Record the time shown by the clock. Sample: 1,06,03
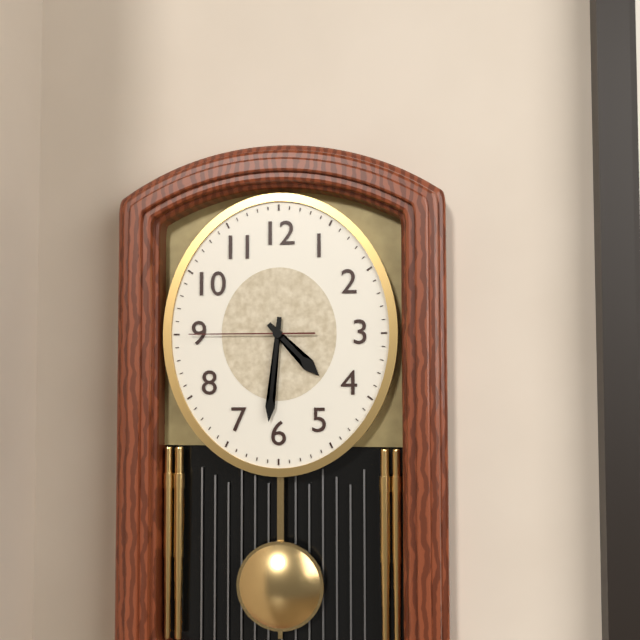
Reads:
4,31,45
